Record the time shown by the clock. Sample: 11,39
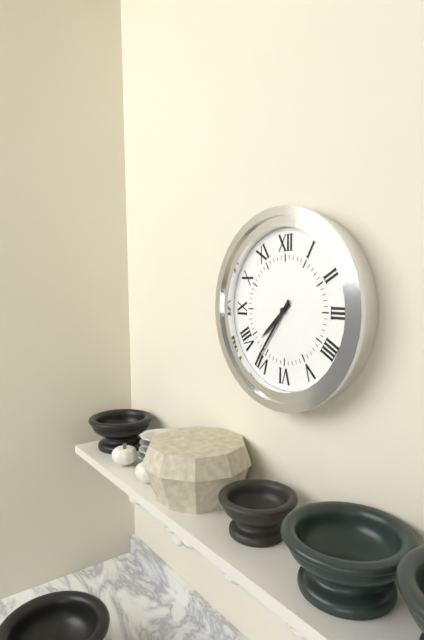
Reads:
7,36
